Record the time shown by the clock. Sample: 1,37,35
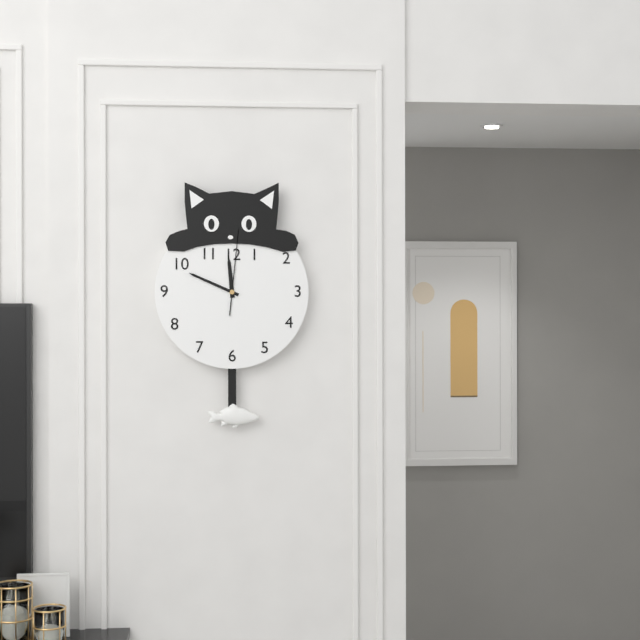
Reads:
11,49,01
